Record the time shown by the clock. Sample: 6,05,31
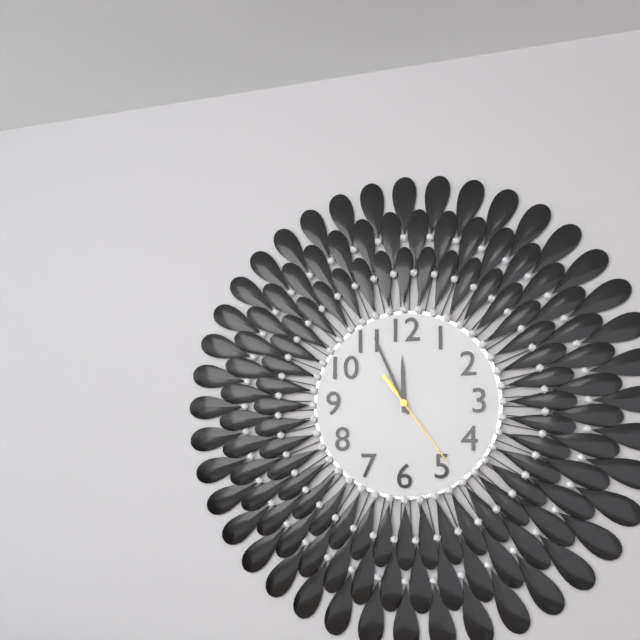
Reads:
11,56,24
